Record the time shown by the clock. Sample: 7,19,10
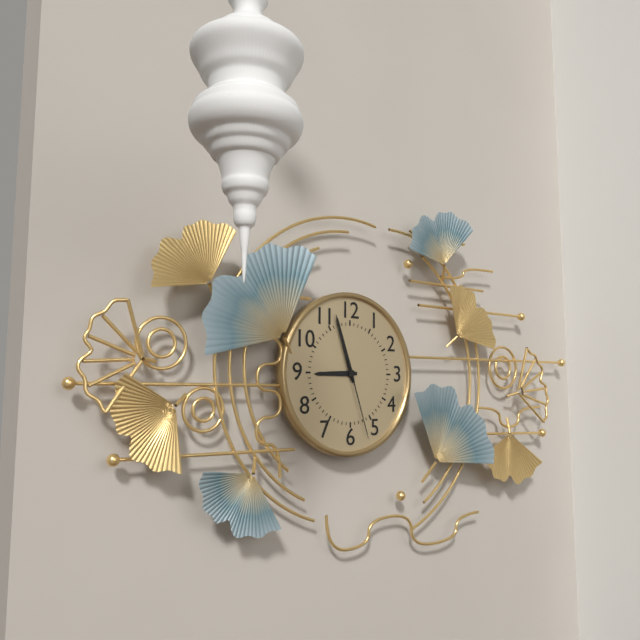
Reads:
8,57,27
